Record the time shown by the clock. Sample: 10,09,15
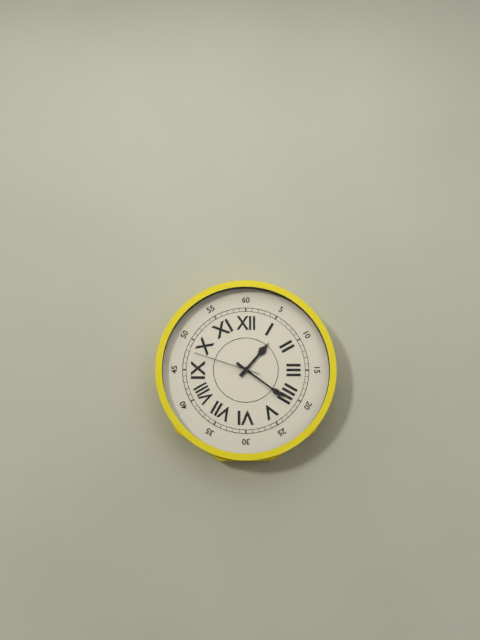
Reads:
1,21,48
